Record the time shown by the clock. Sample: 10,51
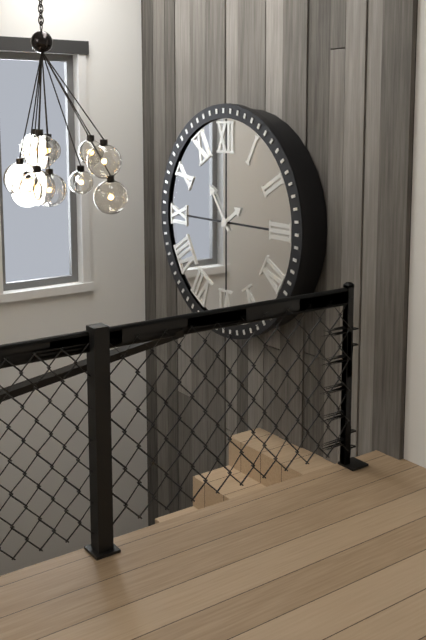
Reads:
1,54
